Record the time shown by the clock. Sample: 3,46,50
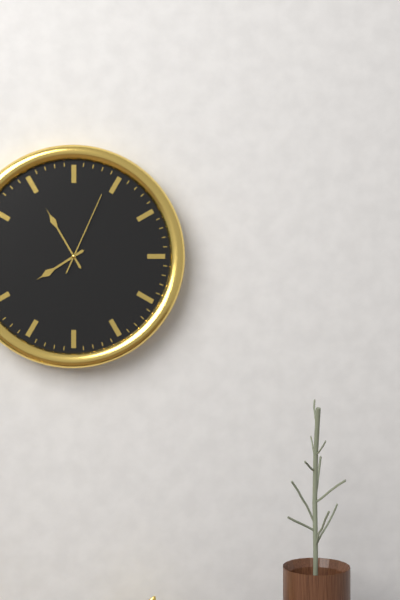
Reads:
7,55,04
